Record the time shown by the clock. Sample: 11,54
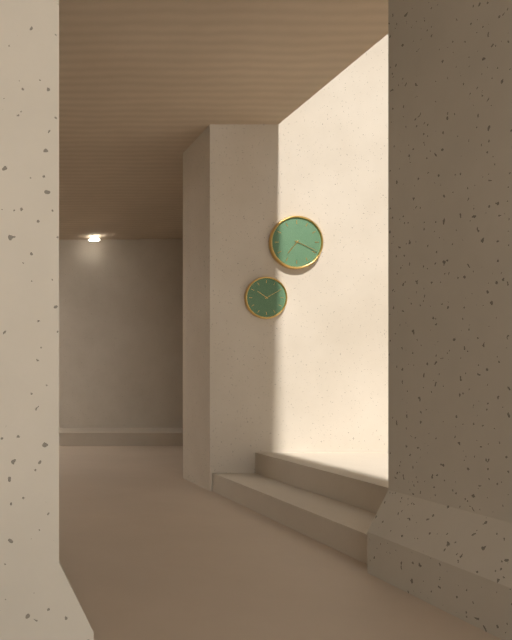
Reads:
7,19
